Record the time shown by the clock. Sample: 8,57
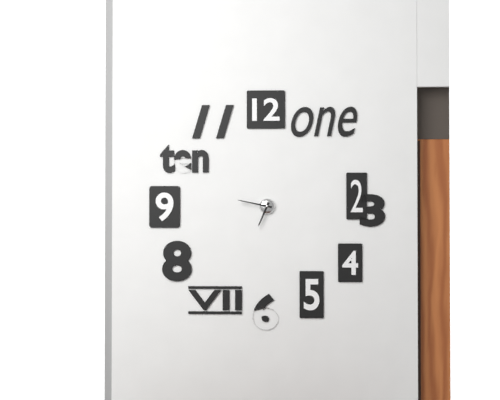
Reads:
6,47
